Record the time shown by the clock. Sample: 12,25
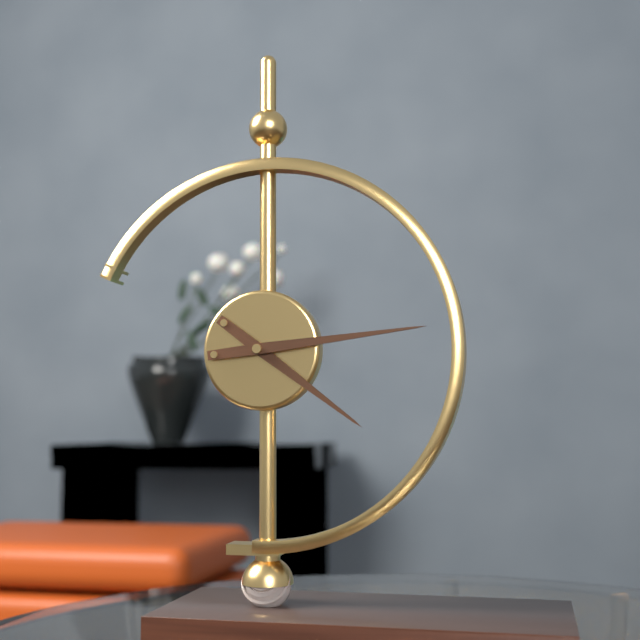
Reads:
4,14
